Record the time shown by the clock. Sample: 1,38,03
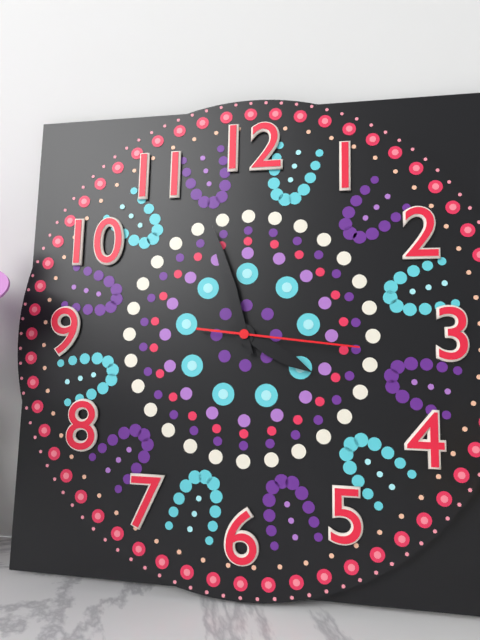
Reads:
3,57,16
